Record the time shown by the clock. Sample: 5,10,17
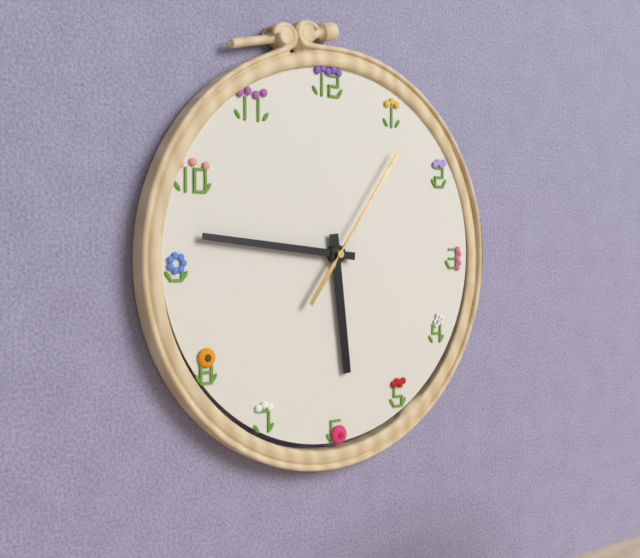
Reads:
5,46,06
